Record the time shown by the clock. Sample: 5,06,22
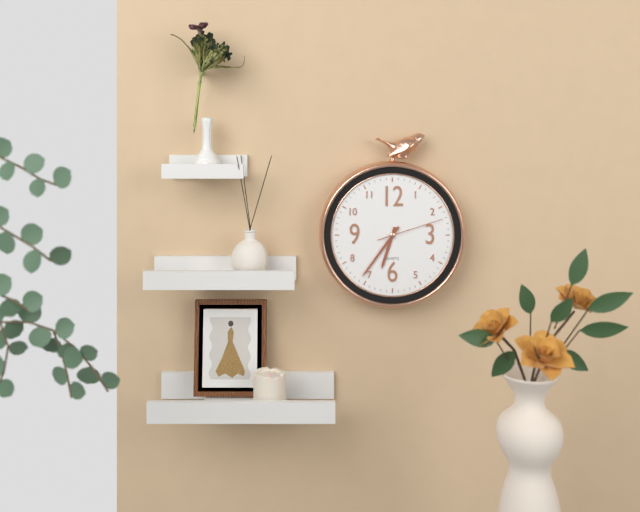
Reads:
6,36,12
